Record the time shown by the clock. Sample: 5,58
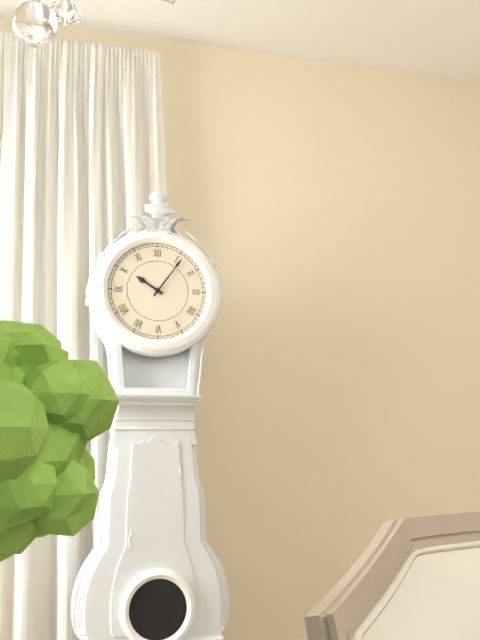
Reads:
10,06
